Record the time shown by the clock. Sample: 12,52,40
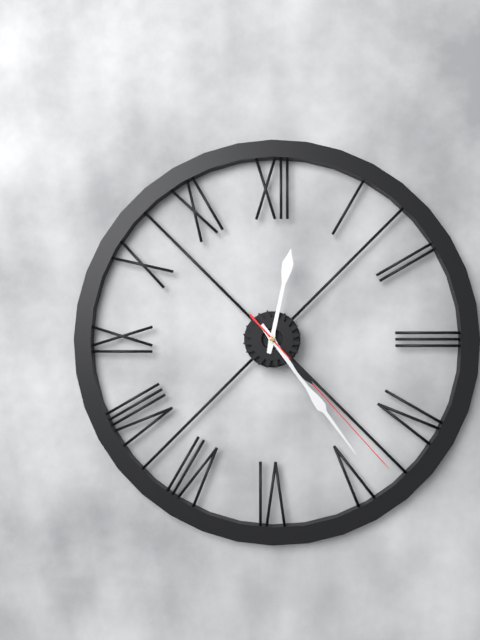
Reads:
12,24,23
